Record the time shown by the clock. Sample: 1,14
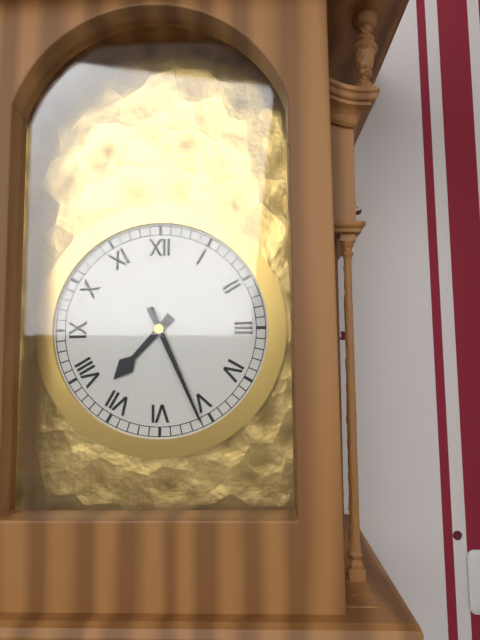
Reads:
7,26
